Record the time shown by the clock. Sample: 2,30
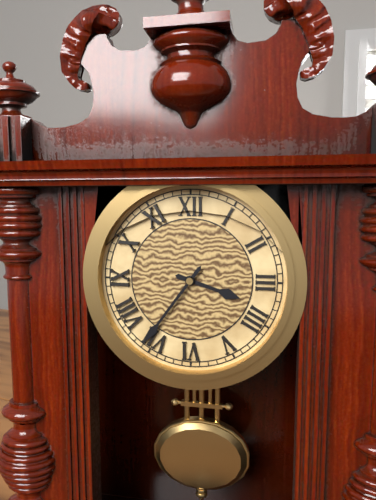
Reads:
3,36
